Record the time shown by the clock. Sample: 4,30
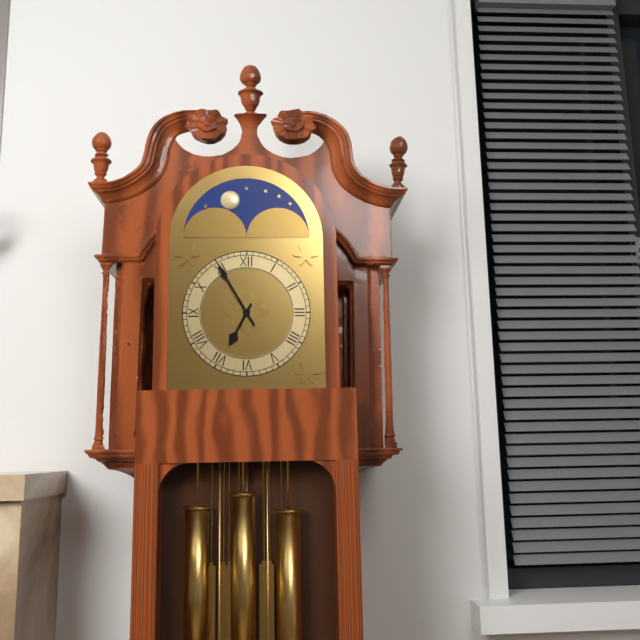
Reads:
6,55
